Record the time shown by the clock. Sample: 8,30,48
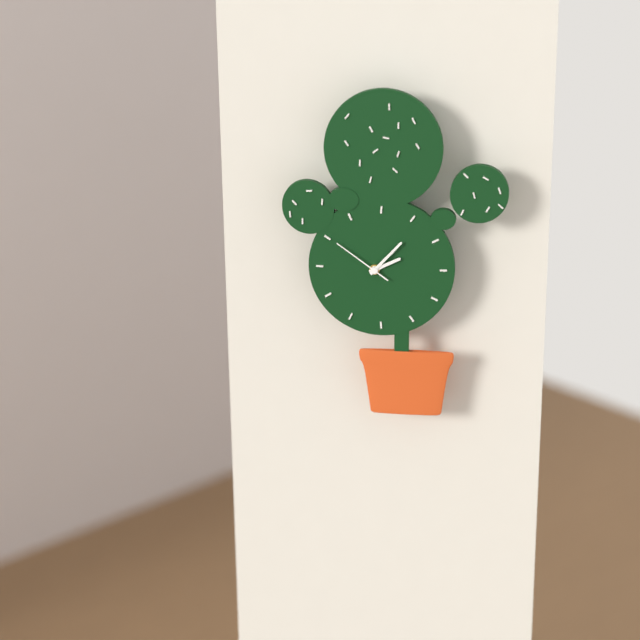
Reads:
2,07,51
